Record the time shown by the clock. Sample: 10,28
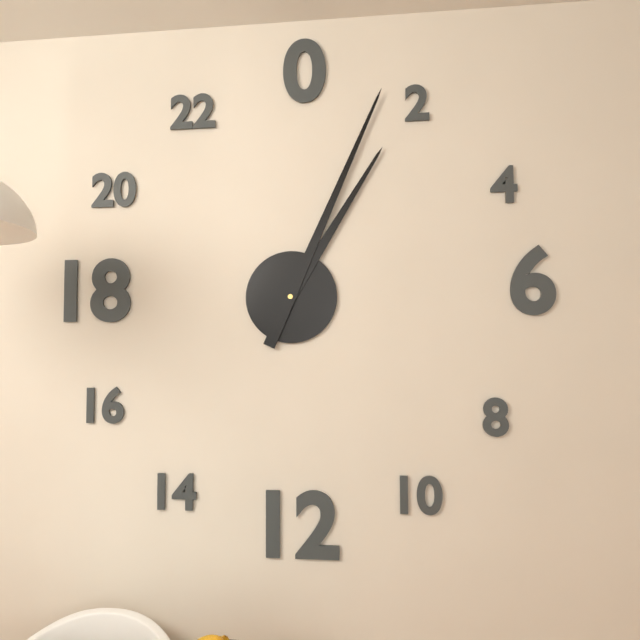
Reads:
1,04
